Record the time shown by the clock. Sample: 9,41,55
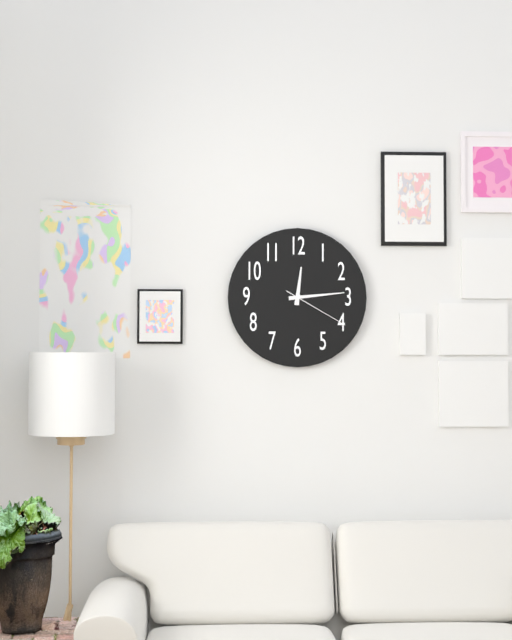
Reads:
12,14,20
